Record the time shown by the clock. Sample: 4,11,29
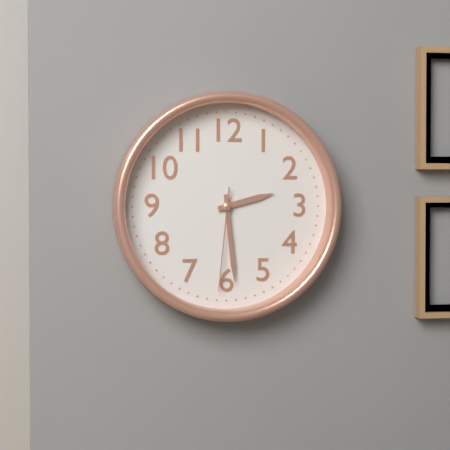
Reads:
2,29,31
